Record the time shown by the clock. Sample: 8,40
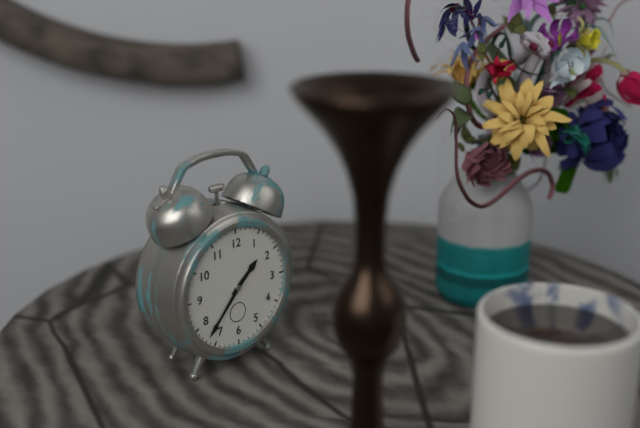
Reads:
1,37
